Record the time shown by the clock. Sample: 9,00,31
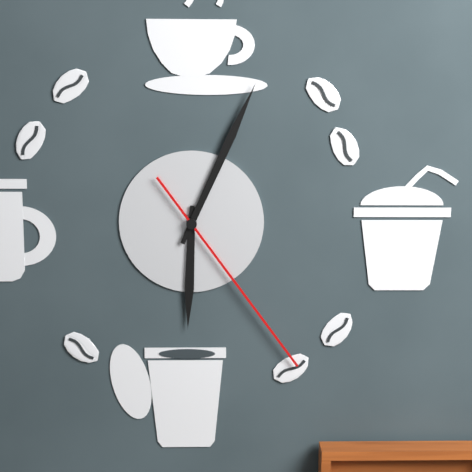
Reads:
6,04,24
